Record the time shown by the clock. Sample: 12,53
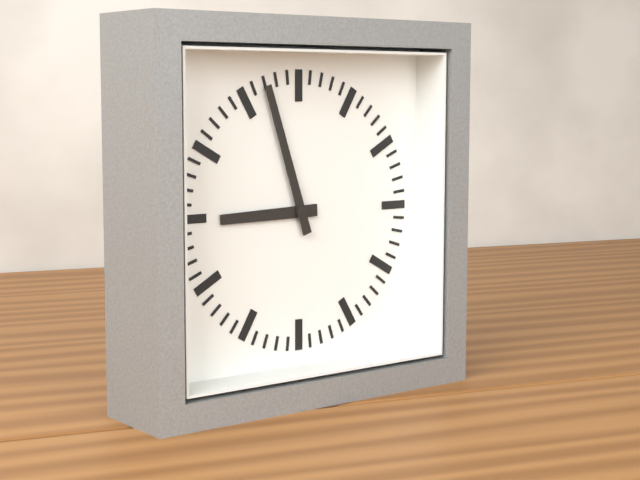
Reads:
8,57
